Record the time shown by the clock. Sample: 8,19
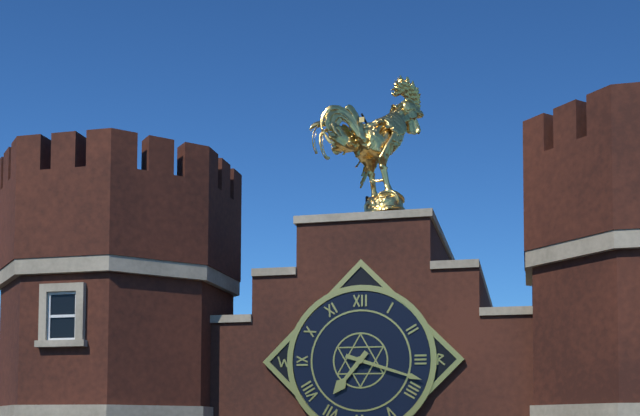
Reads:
7,18
